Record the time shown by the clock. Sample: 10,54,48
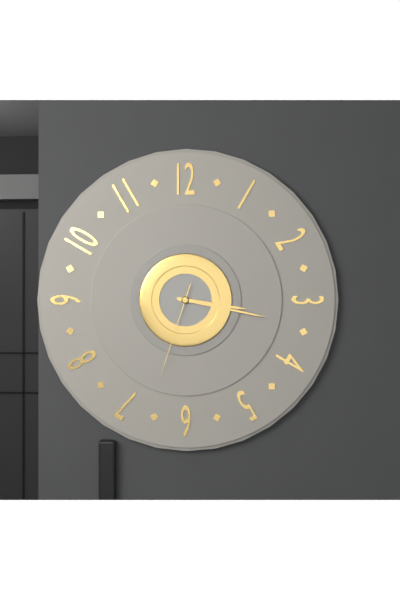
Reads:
3,17,33
